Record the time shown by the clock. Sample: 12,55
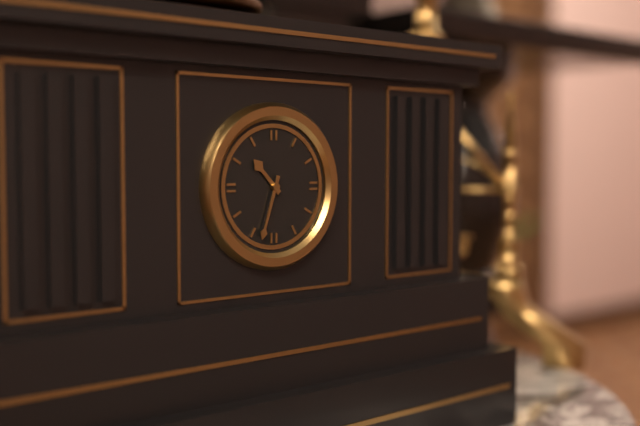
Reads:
10,33
